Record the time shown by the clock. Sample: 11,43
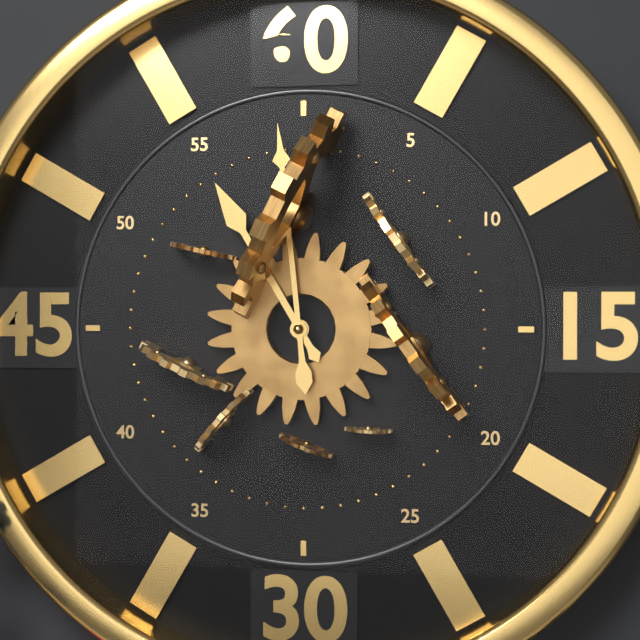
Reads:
10,59
